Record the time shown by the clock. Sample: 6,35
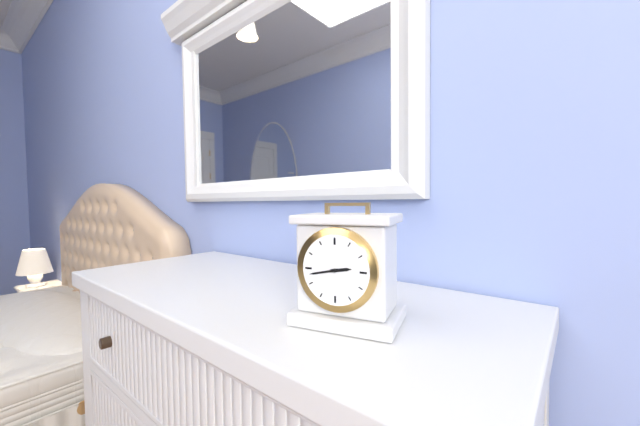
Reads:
2,43
